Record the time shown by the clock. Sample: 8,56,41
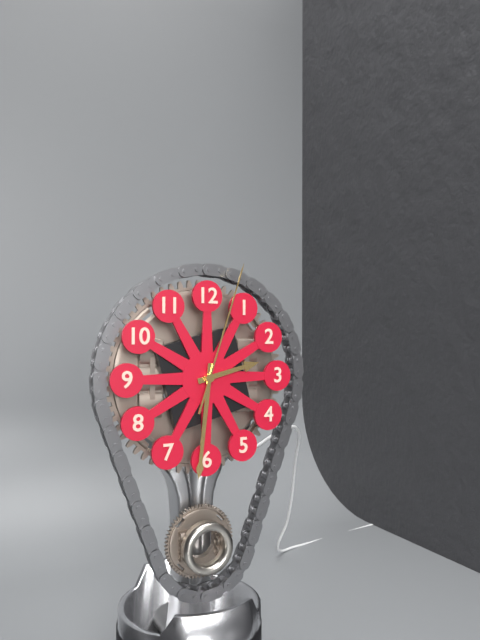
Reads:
2,31,03
